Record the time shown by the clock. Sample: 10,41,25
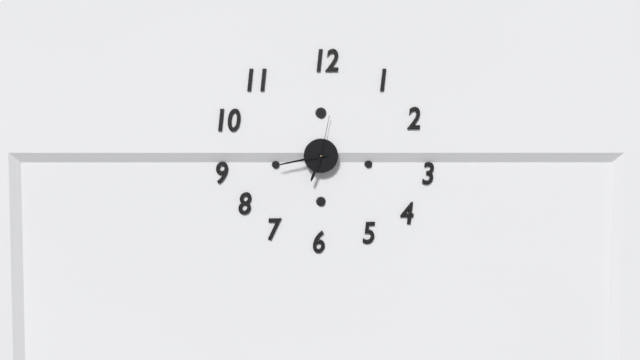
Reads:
6,43,02
